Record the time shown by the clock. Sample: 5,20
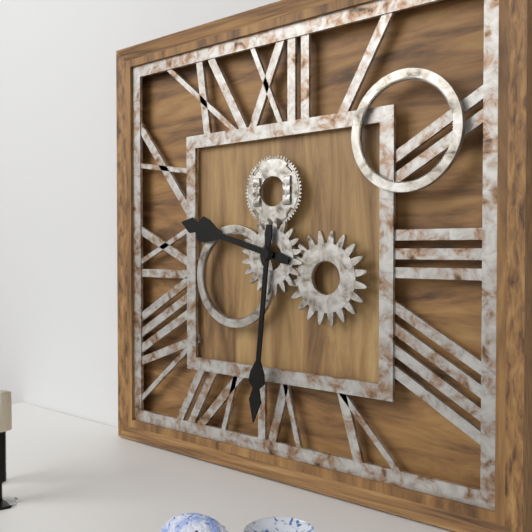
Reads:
9,31
